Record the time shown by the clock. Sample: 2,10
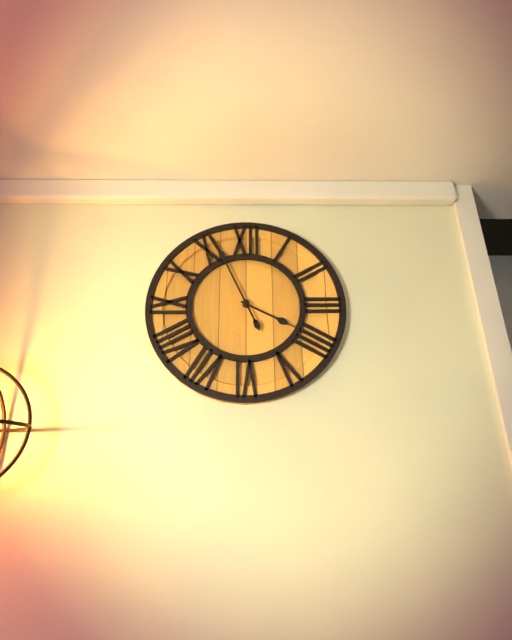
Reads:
3,56
